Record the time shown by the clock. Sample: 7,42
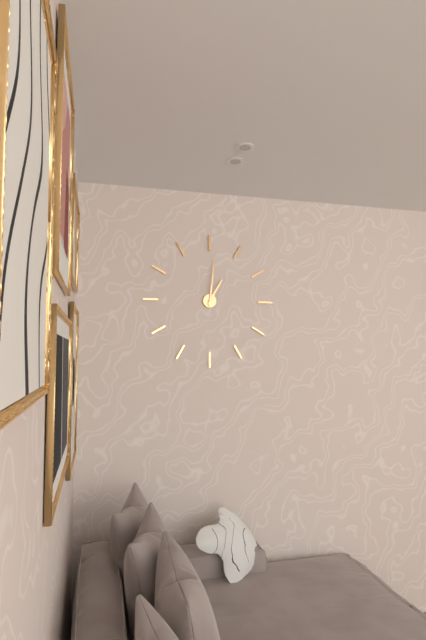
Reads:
1,01
